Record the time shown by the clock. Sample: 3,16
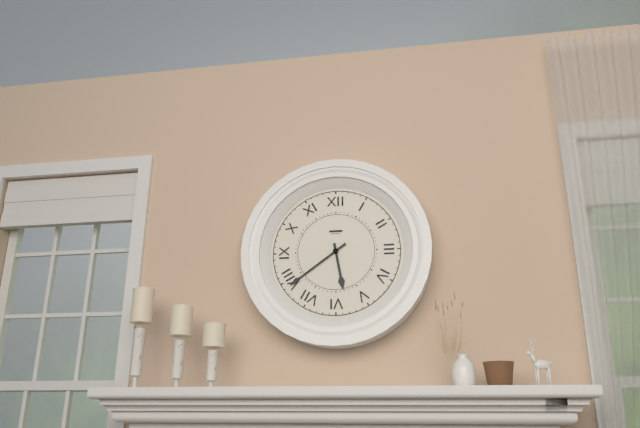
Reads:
5,39
